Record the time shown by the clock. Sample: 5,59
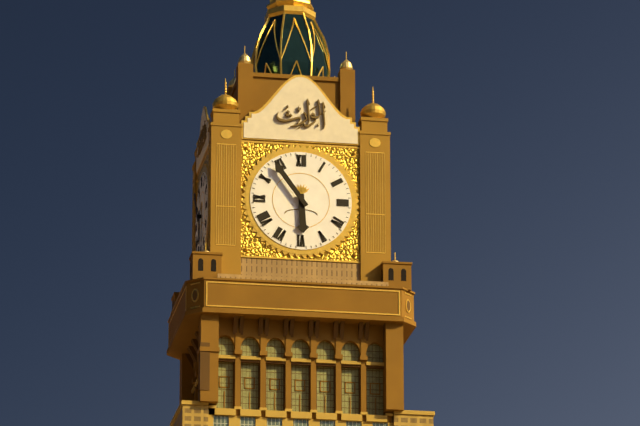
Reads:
5,54
